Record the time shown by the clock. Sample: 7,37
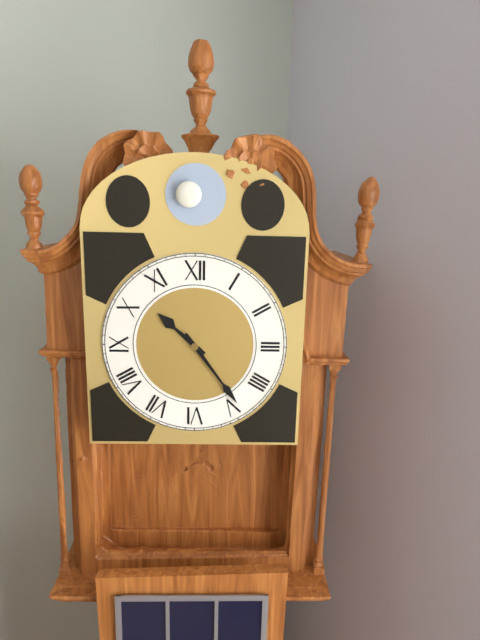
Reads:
10,24
